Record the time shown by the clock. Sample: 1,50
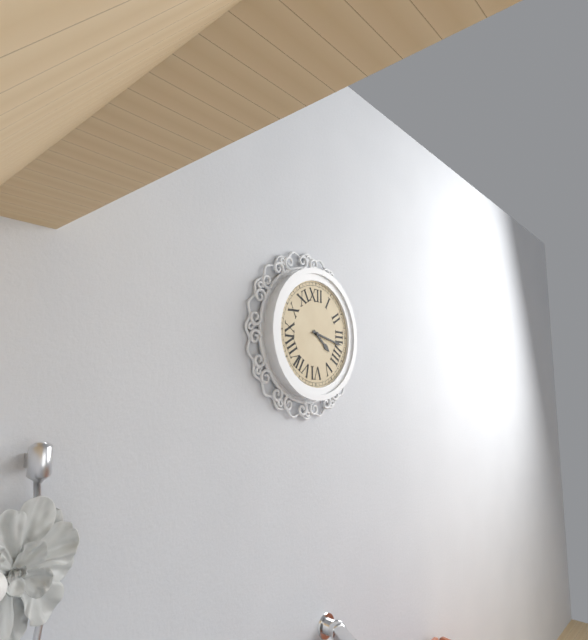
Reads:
4,17
